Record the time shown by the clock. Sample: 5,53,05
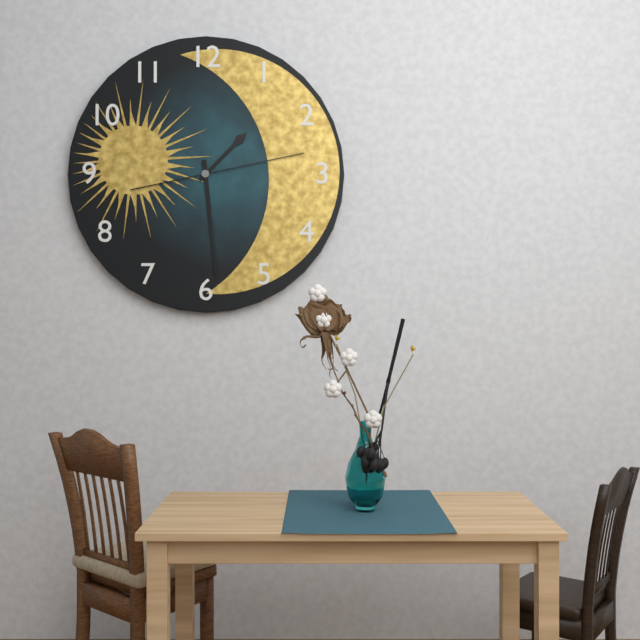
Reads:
1,29,13
